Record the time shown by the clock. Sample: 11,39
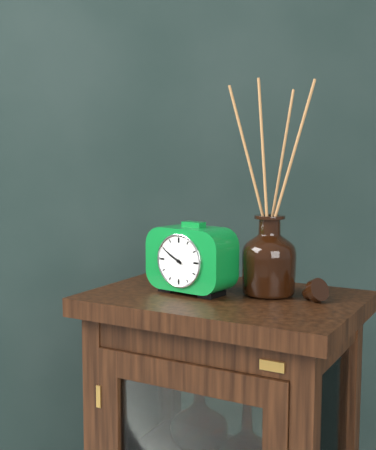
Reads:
9,50
